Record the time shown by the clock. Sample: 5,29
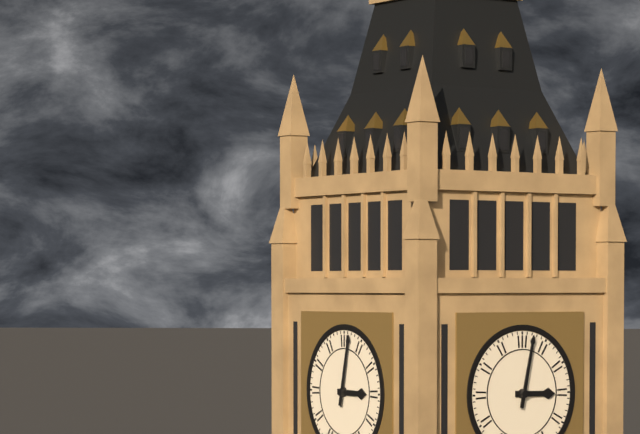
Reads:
3,02
